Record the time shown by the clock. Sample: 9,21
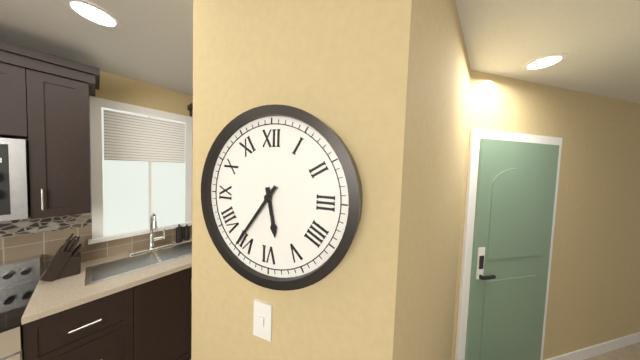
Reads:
5,36
